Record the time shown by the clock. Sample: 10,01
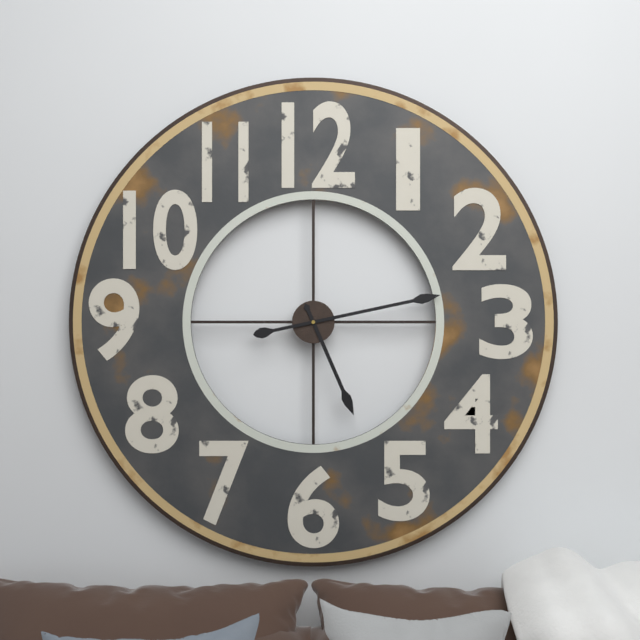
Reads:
5,13
